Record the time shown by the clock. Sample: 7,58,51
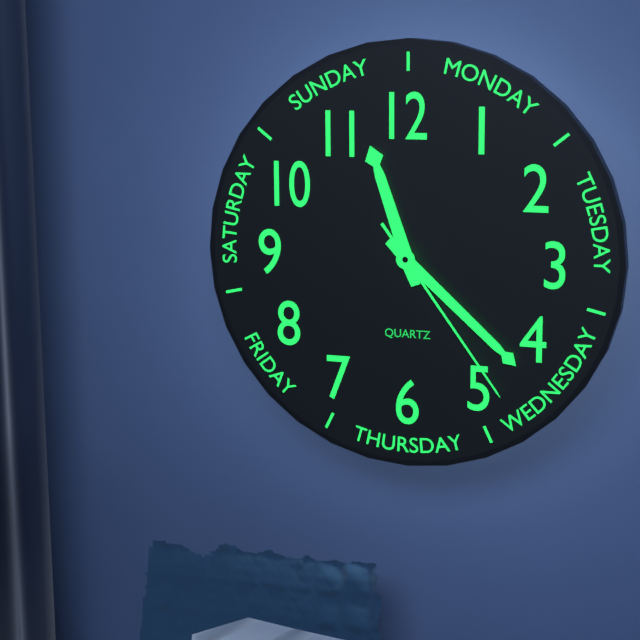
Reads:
11,22,24
